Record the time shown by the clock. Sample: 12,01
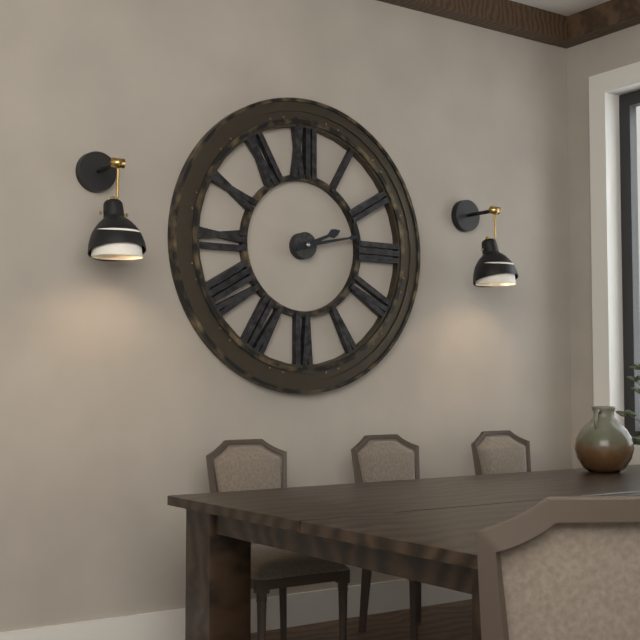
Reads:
2,13
